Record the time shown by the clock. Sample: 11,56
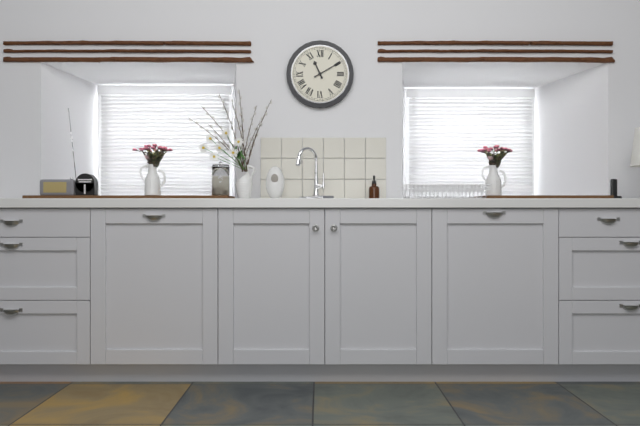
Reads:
11,10
